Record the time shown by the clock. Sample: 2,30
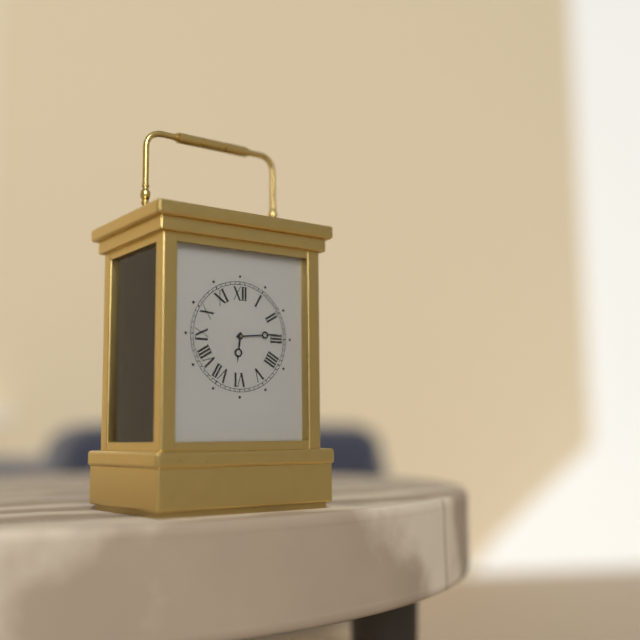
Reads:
6,14
